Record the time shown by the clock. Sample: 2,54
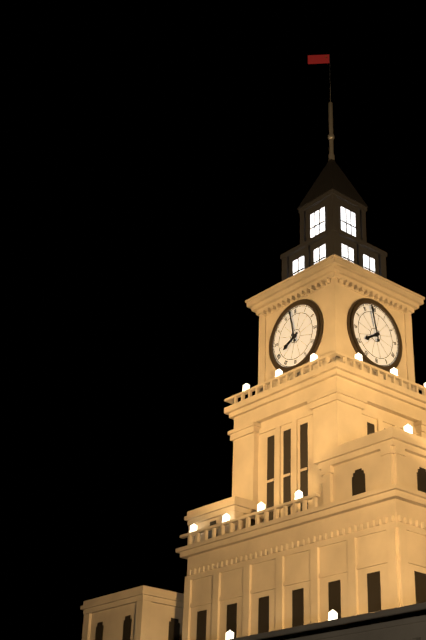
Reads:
7,58
